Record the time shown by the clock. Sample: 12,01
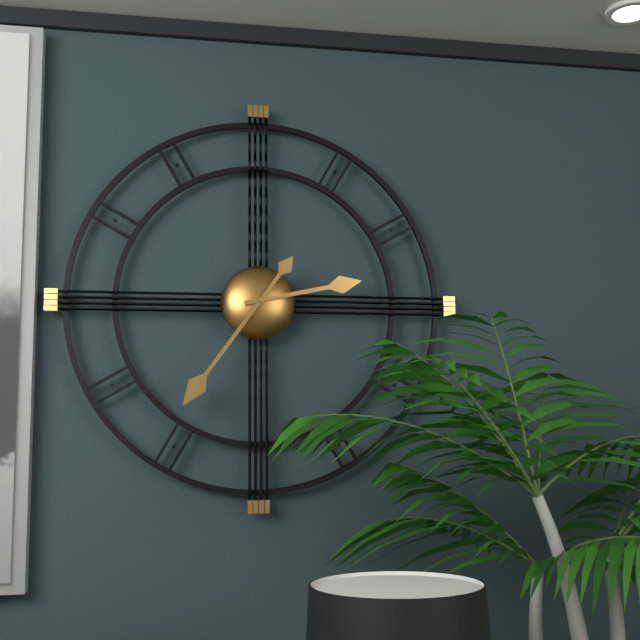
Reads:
2,36
